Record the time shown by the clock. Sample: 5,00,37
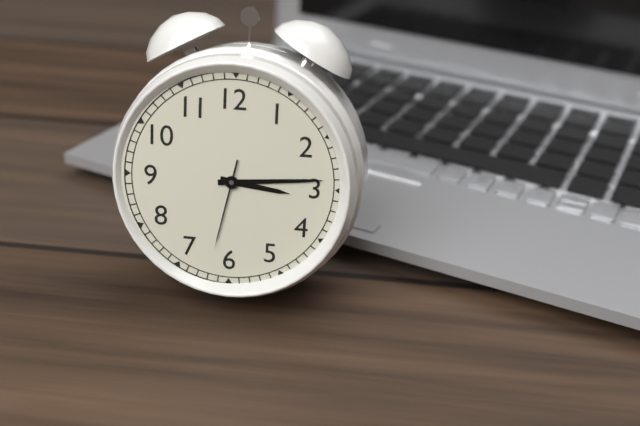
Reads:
3,14,32
